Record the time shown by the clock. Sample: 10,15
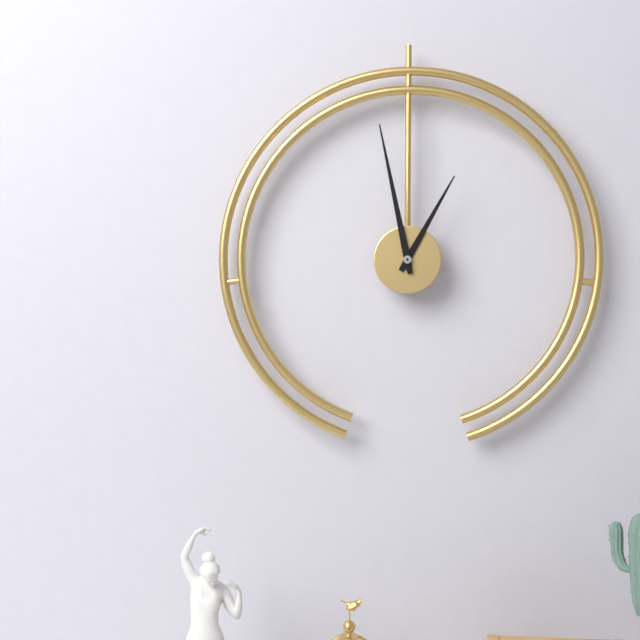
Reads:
12,58
